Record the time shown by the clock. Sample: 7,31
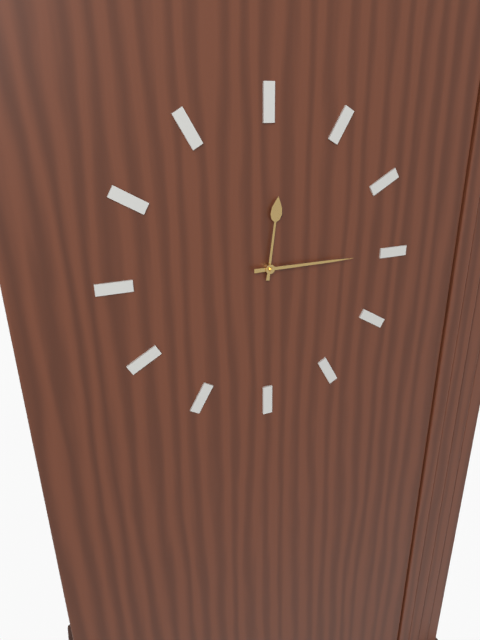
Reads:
12,15
